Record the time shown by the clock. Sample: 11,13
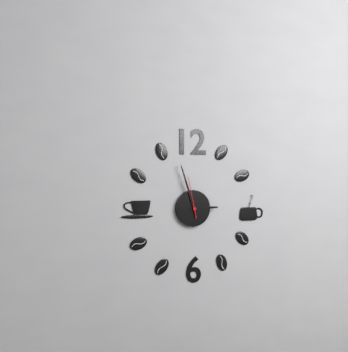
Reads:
2,57
